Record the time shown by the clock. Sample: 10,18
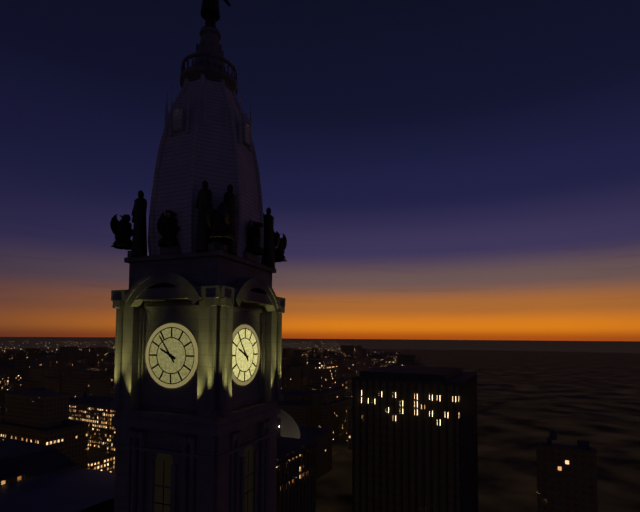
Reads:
9,54
